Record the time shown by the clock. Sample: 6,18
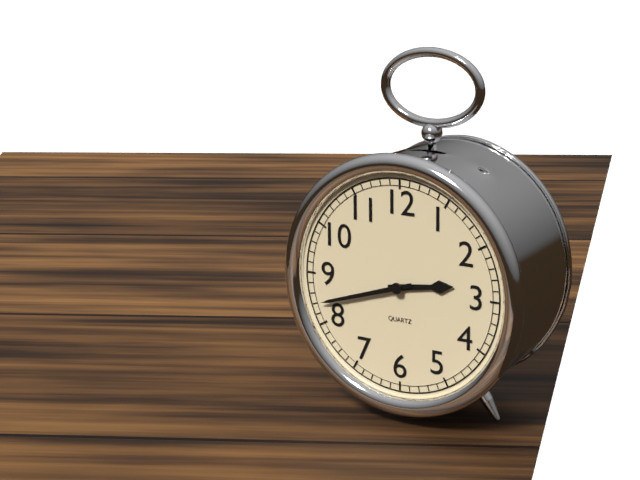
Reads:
2,42
